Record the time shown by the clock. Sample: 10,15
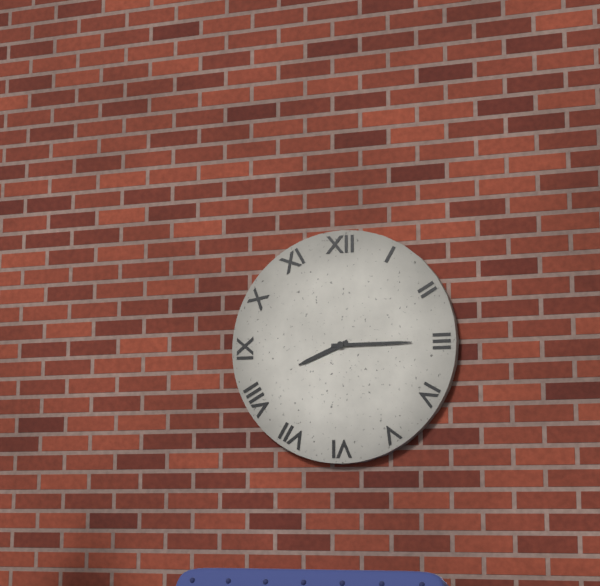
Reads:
8,15
